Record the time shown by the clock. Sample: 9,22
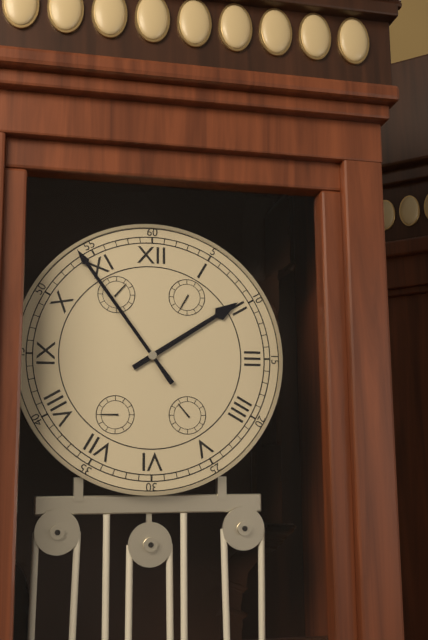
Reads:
1,54
